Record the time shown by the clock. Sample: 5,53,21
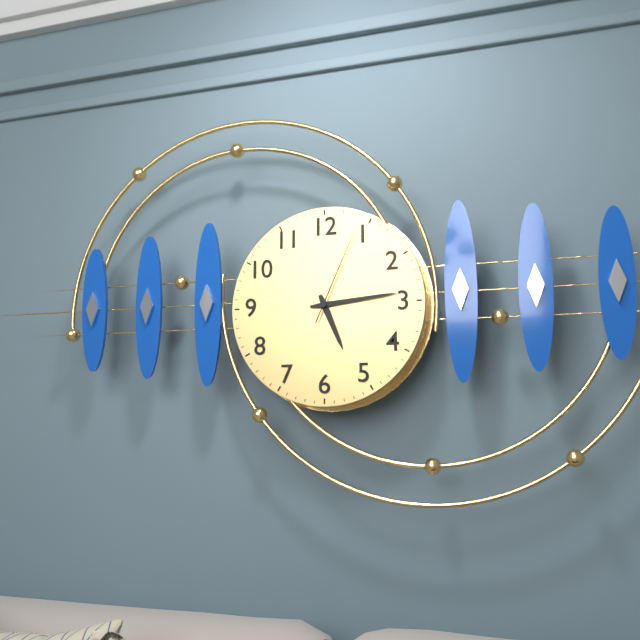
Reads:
5,14,04
